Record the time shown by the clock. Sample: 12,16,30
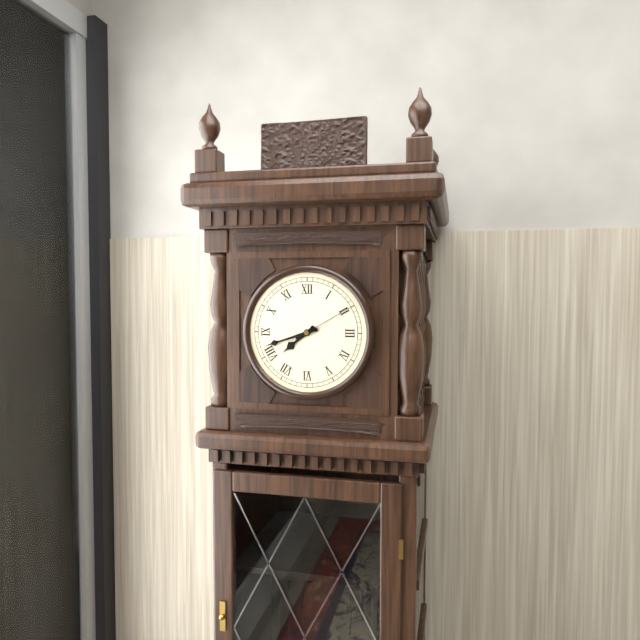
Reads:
7,42,10
